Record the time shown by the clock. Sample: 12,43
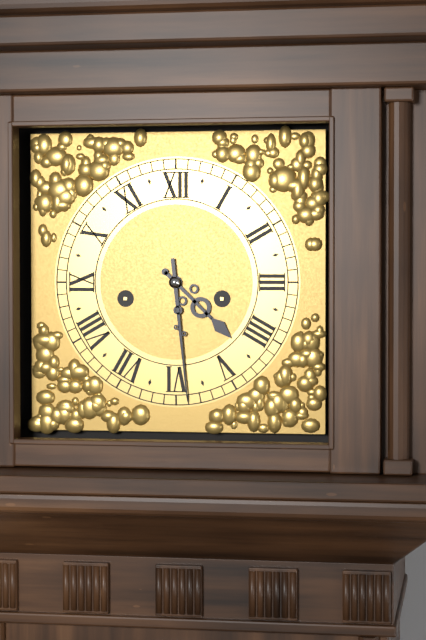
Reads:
4,29
